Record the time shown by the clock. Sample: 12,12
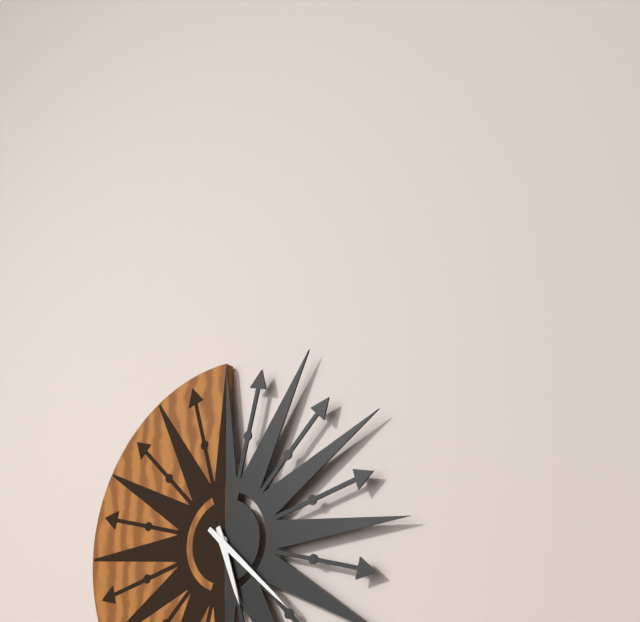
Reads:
5,22
